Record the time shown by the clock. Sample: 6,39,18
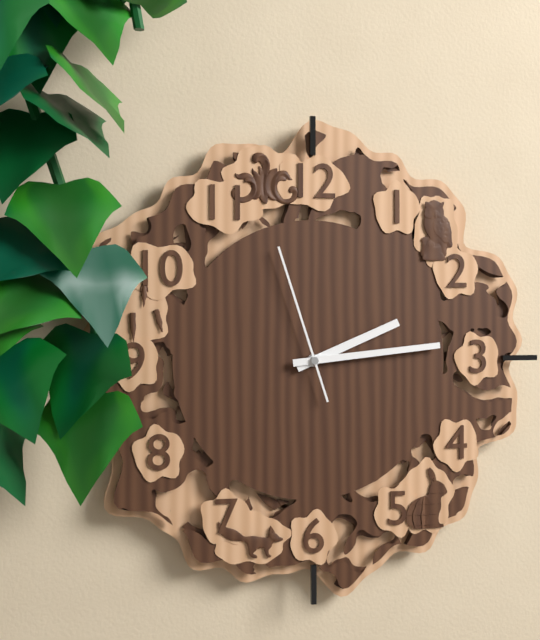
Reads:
2,14,57
